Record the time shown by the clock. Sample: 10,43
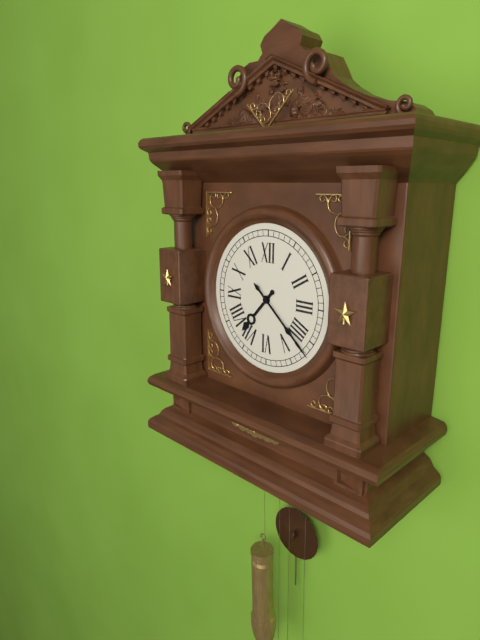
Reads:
7,22
